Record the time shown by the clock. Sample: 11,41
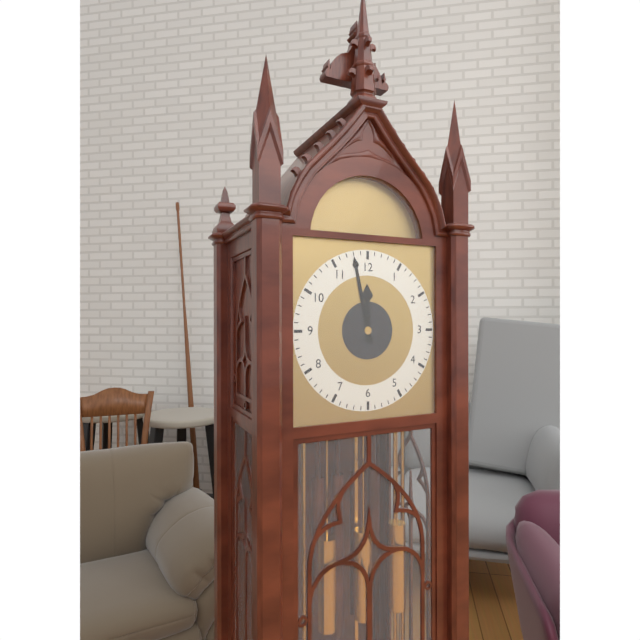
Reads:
11,58
